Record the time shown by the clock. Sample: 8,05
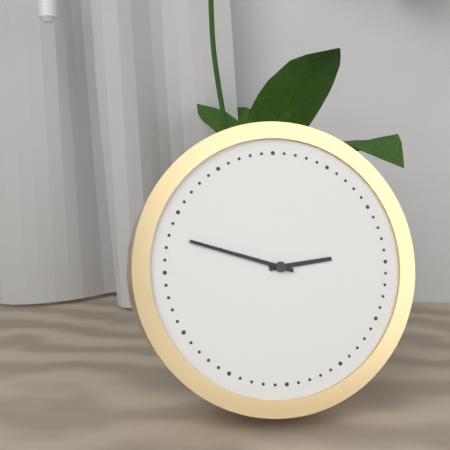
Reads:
2,48
